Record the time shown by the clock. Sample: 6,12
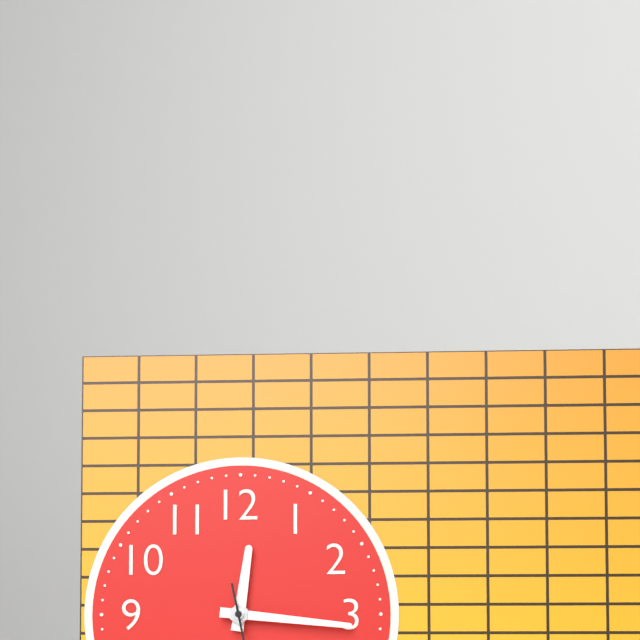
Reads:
12,16
